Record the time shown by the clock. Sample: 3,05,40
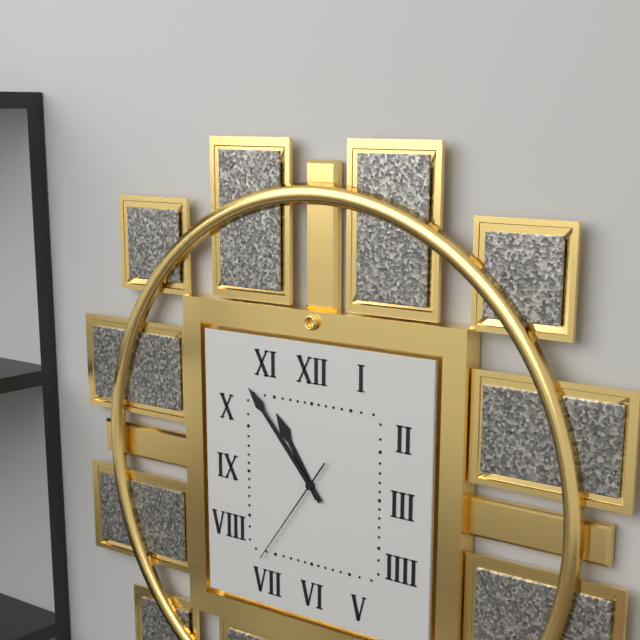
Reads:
10,53,36
